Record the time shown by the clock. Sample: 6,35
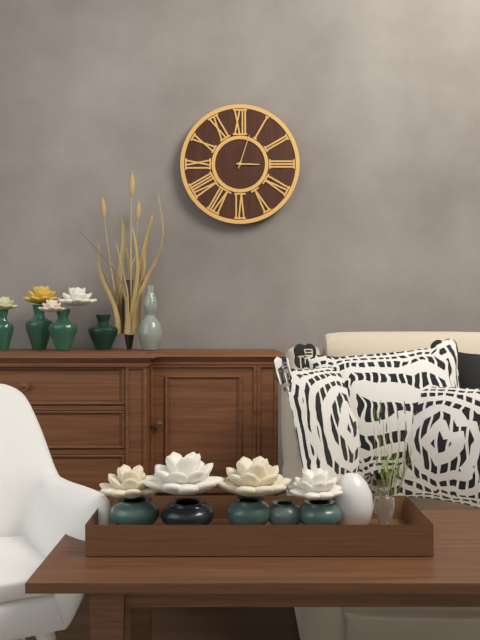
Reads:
3,03
